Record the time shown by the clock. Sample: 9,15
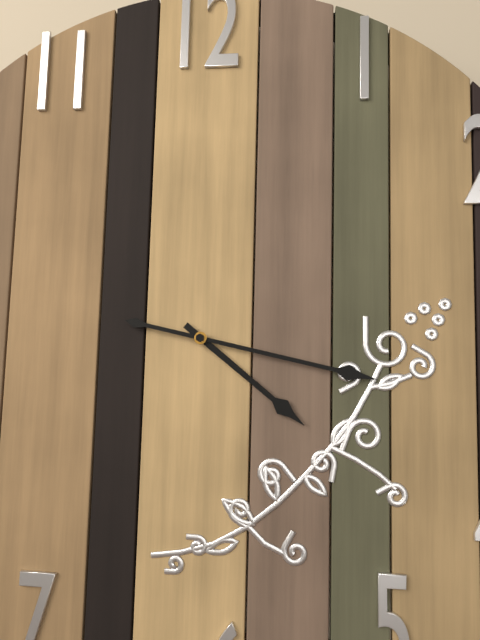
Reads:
4,17
